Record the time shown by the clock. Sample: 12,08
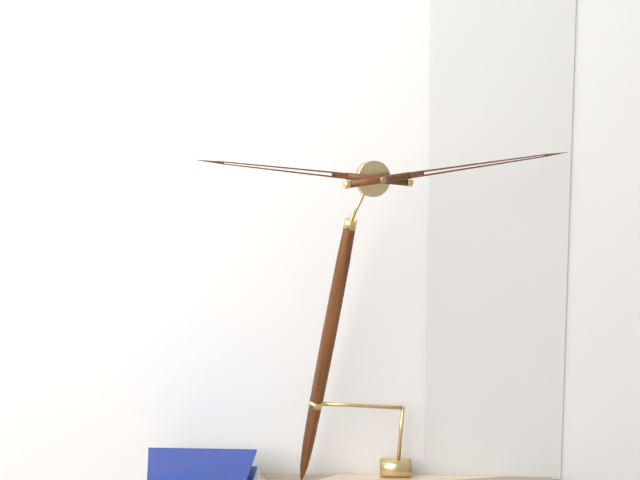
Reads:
9,14
